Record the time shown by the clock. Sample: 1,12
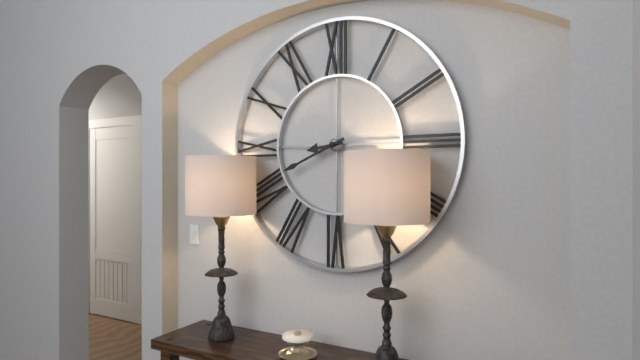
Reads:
8,41
